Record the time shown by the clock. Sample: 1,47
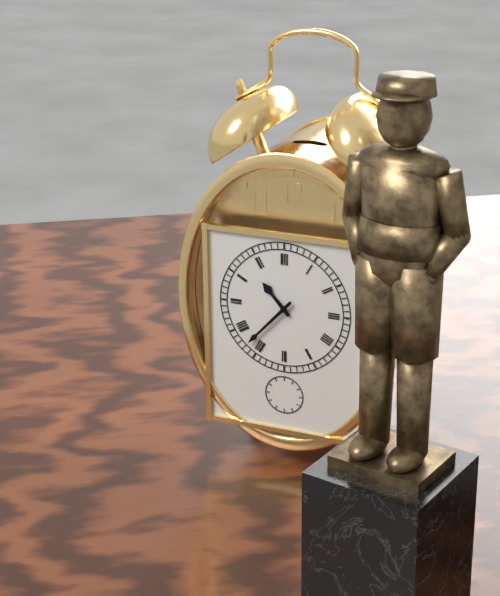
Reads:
10,37
